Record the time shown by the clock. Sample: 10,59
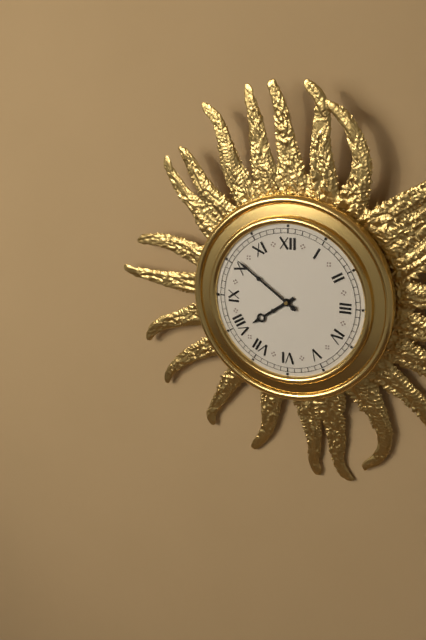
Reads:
7,51
